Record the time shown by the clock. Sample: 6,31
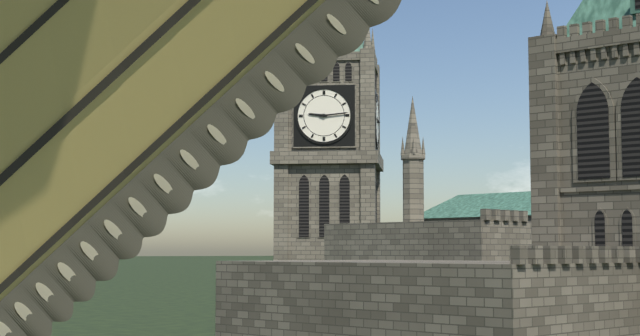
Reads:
9,14
